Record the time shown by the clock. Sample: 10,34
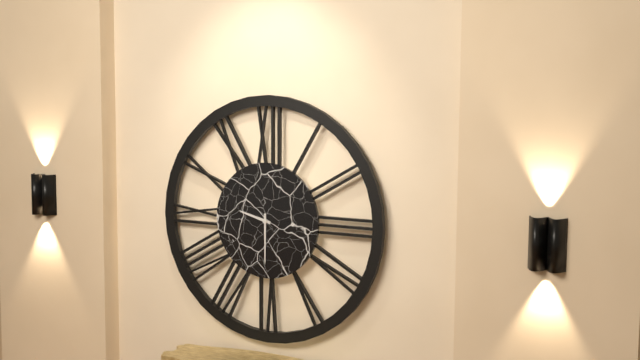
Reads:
9,30
